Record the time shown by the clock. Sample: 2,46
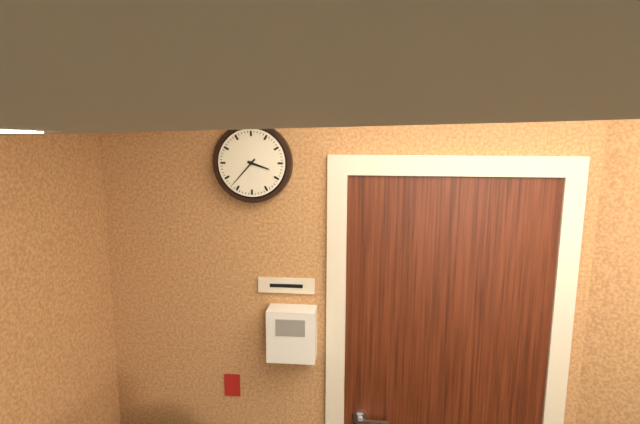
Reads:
3,37
